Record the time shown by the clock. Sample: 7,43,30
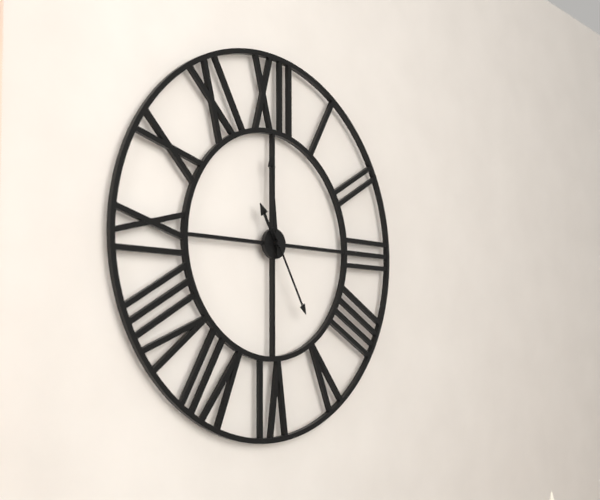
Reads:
10,59,25
